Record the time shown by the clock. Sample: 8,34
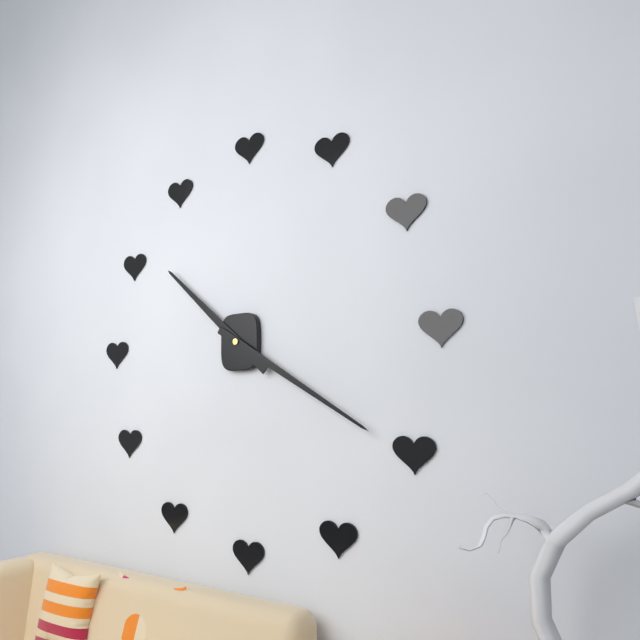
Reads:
10,20
